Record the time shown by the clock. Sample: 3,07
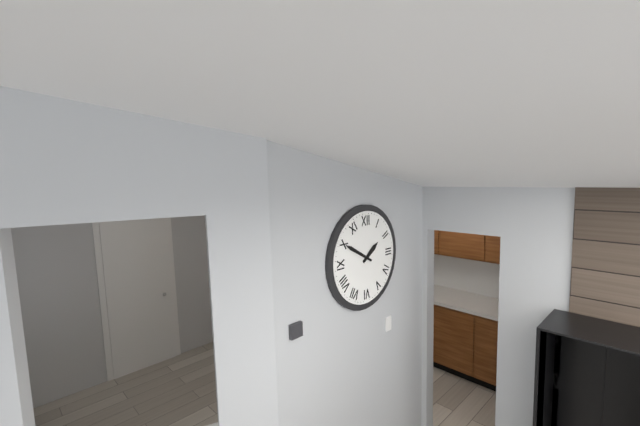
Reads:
1,50
